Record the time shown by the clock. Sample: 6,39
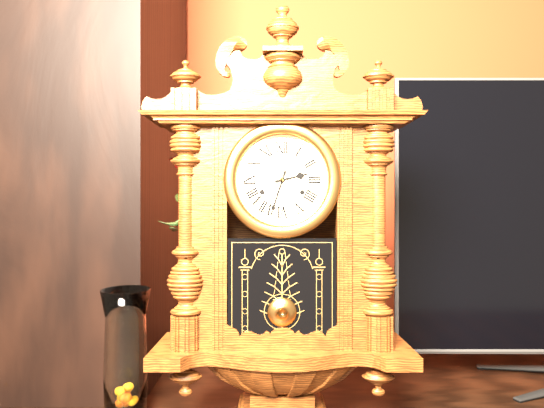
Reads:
2,33
